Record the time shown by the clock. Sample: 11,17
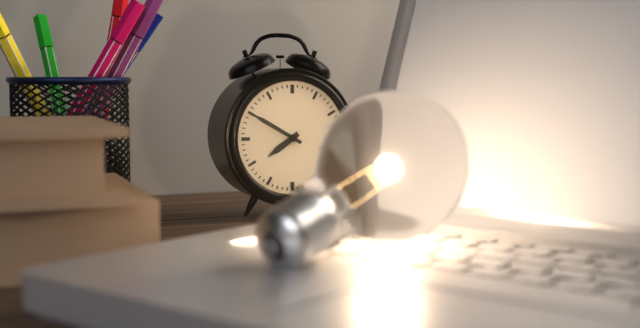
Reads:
7,50
